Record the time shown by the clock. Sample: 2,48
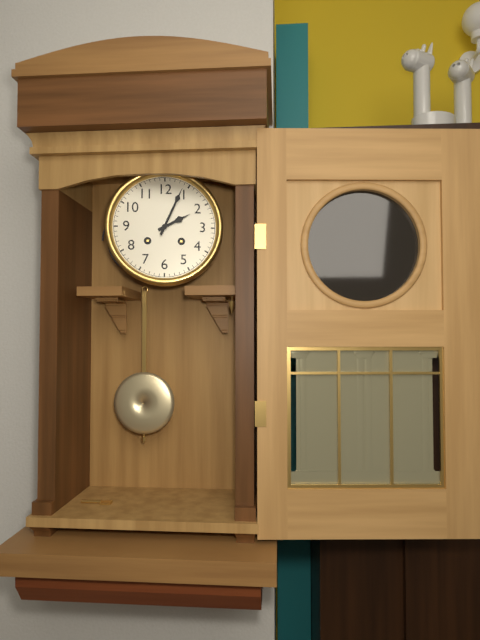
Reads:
2,04
